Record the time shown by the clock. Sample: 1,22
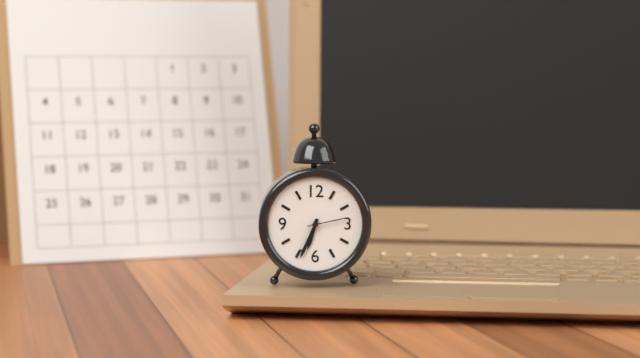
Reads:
6,34
